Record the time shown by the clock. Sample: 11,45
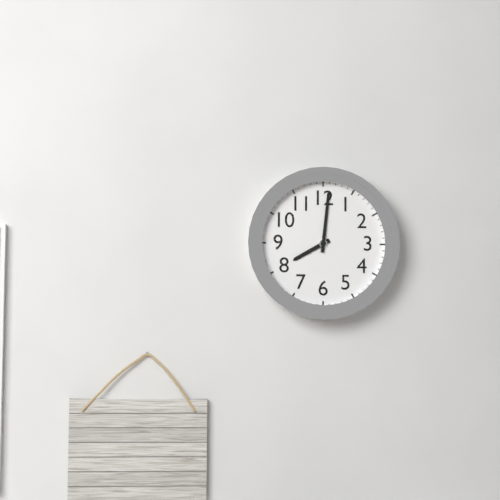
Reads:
8,01
